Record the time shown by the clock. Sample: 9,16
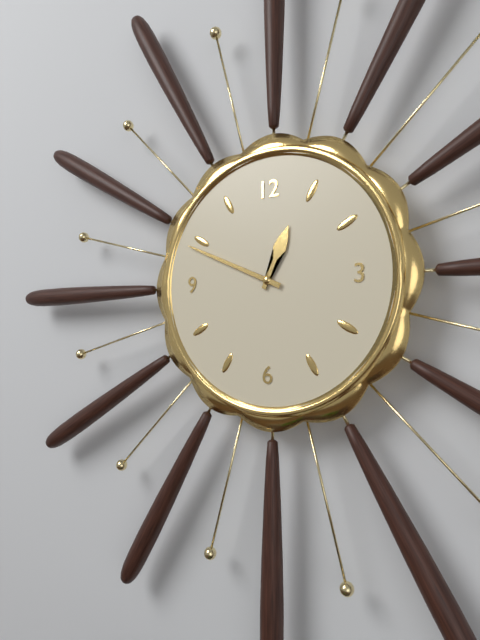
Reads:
12,49
